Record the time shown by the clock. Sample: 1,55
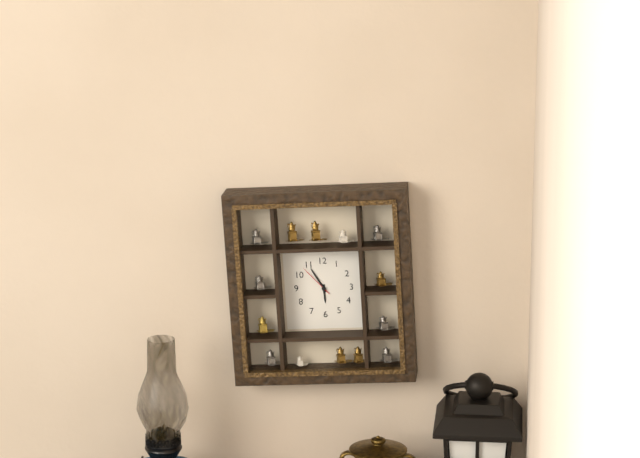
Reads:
5,55
